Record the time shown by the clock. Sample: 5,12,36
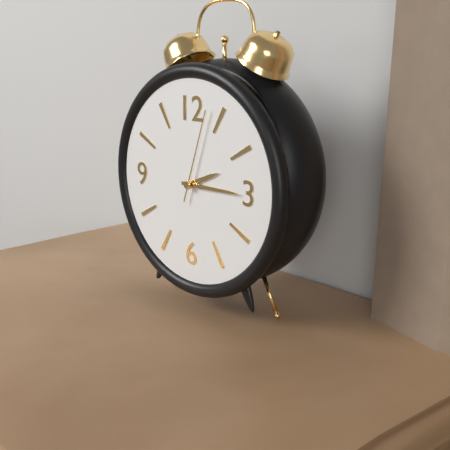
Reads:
2,15,03
